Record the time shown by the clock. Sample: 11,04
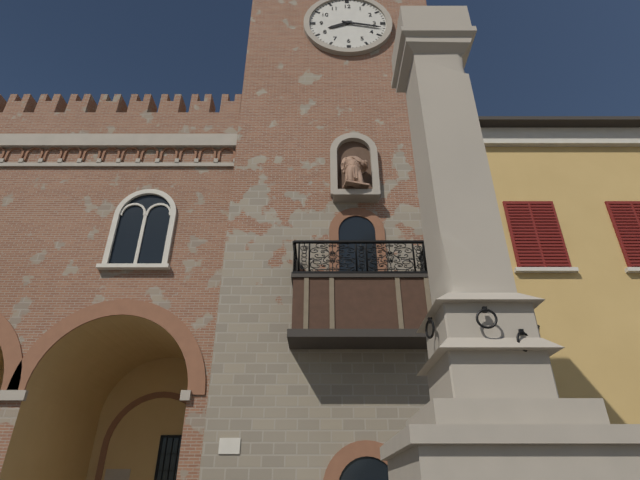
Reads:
8,17
